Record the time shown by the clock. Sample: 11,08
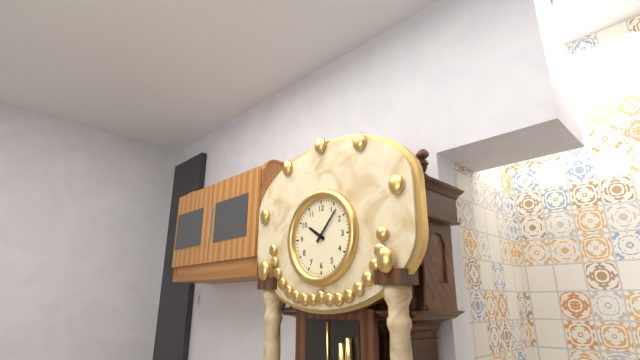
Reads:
10,07
